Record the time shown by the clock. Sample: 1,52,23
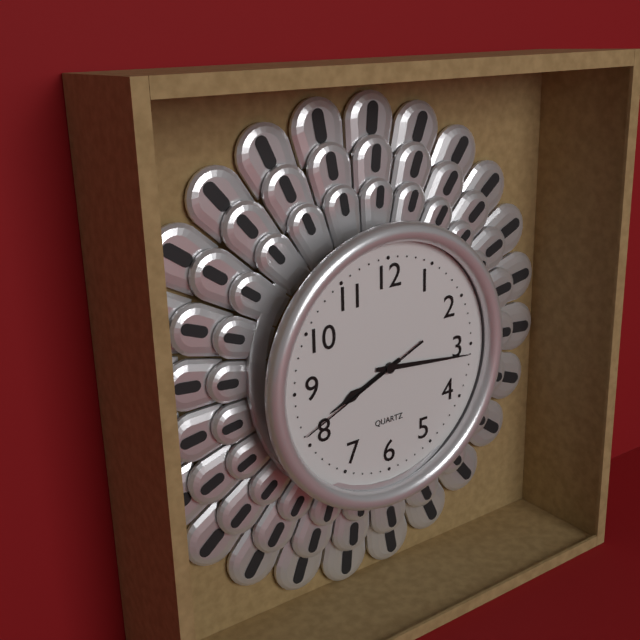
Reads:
8,16,41
